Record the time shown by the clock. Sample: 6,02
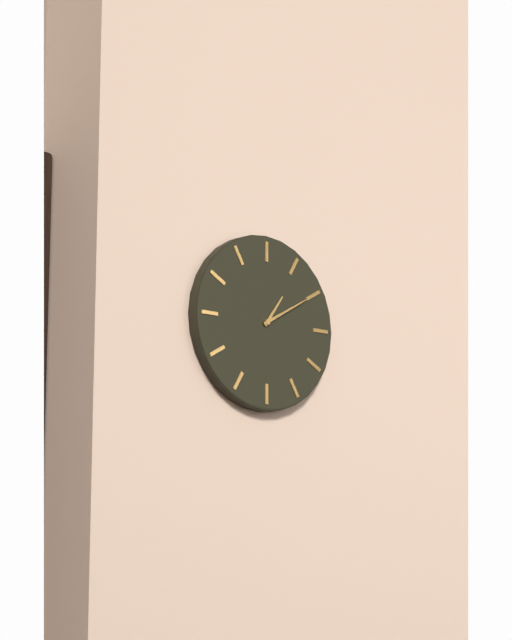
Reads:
1,10
